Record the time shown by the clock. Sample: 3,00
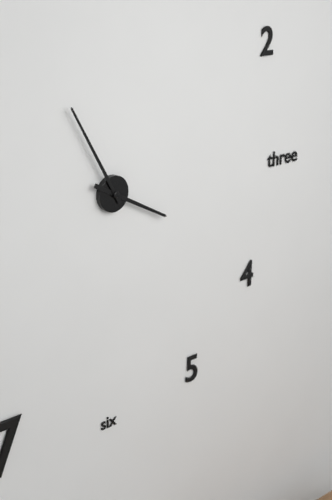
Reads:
3,55
